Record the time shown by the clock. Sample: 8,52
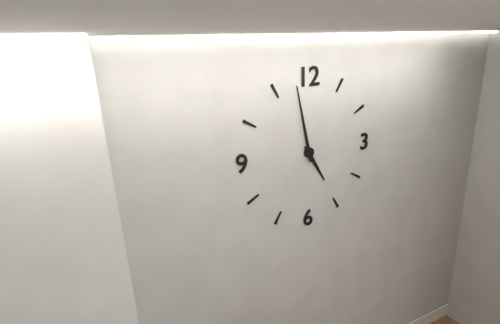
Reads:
4,58
